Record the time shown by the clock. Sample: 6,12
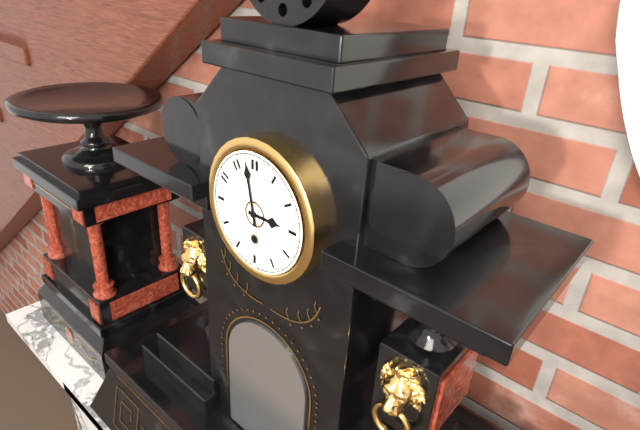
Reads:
2,58
